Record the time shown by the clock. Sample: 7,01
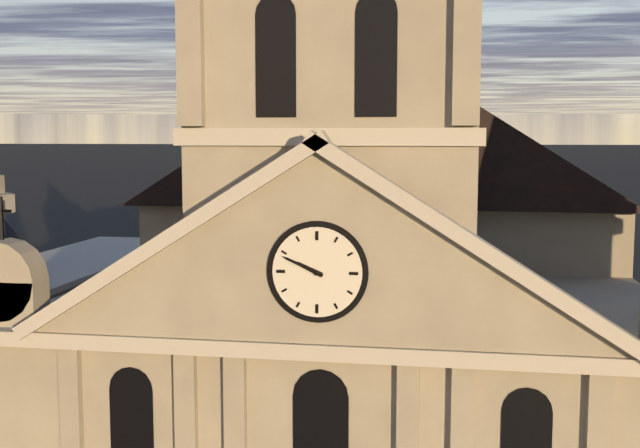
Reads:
9,49
